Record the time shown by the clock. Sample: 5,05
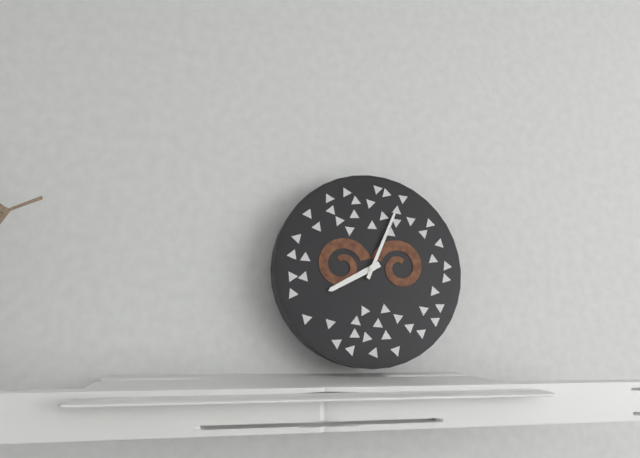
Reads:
8,04
